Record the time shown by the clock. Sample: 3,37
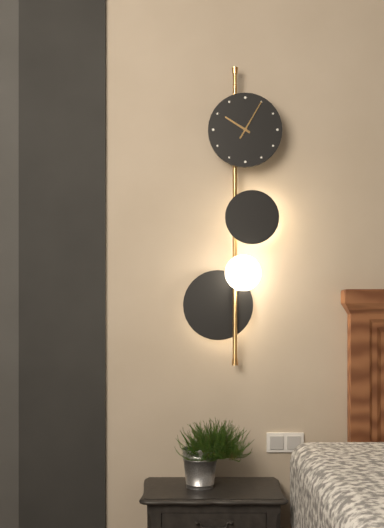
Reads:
10,05
